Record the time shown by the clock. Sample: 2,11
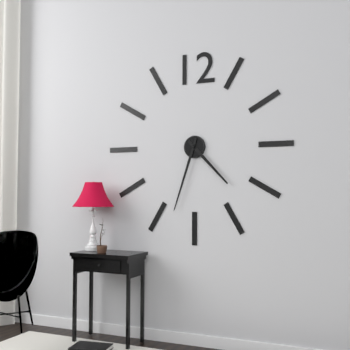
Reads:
4,33
